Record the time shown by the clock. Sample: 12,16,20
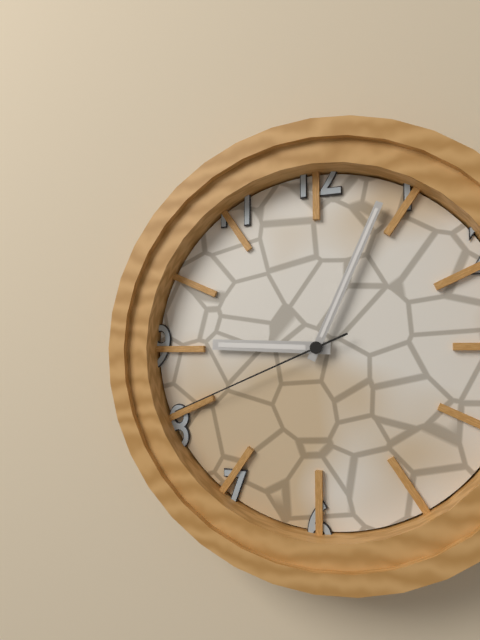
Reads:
9,04,41
